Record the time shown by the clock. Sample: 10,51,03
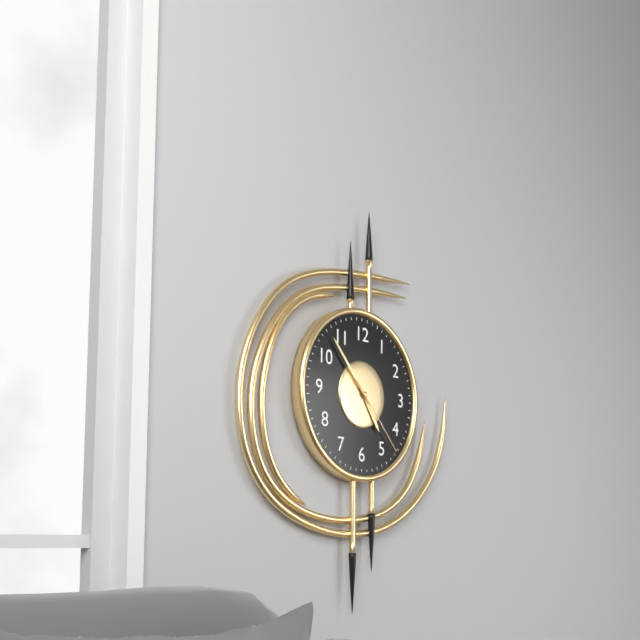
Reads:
4,53,23
